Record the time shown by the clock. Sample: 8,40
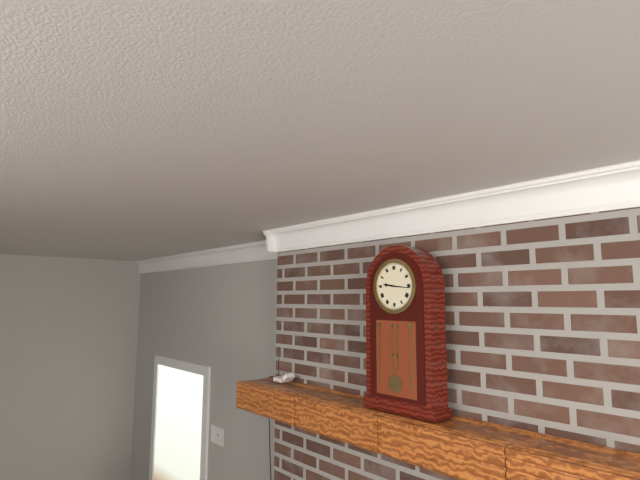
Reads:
9,16
